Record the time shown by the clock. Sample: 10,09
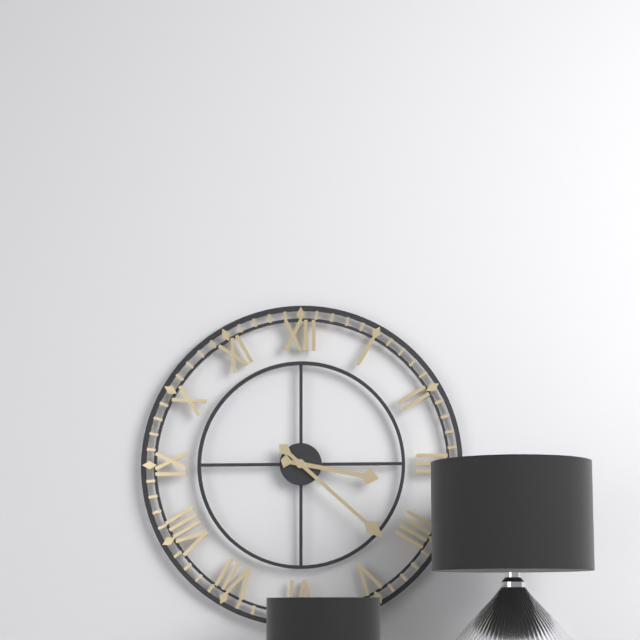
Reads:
3,22
